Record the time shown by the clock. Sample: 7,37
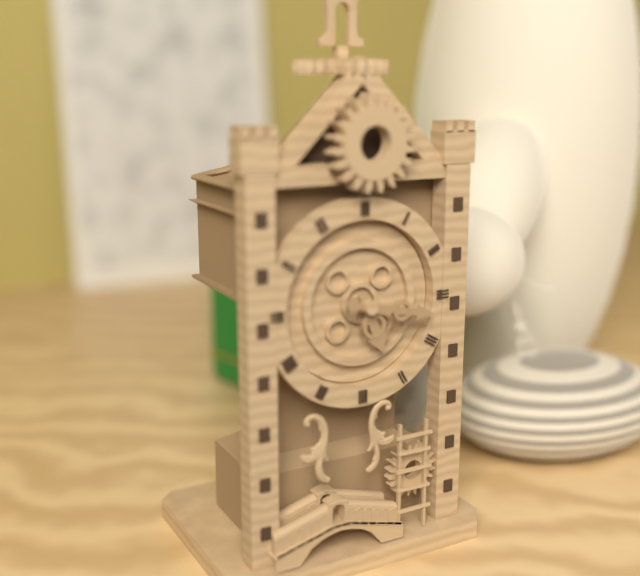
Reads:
5,17
